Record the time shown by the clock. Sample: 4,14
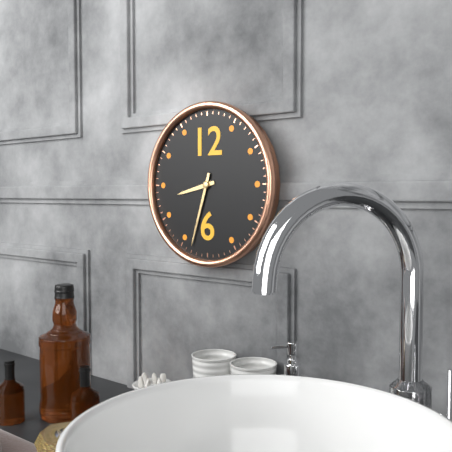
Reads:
8,33
